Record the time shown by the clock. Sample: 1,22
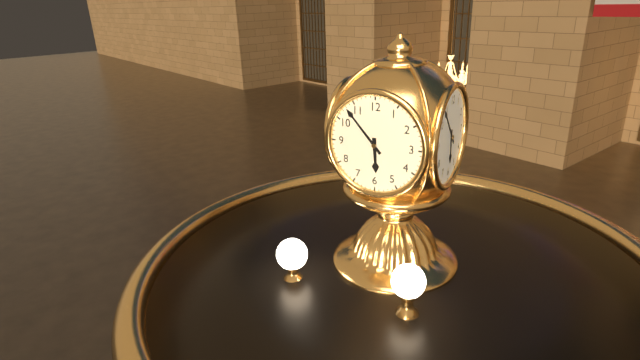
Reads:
5,53
